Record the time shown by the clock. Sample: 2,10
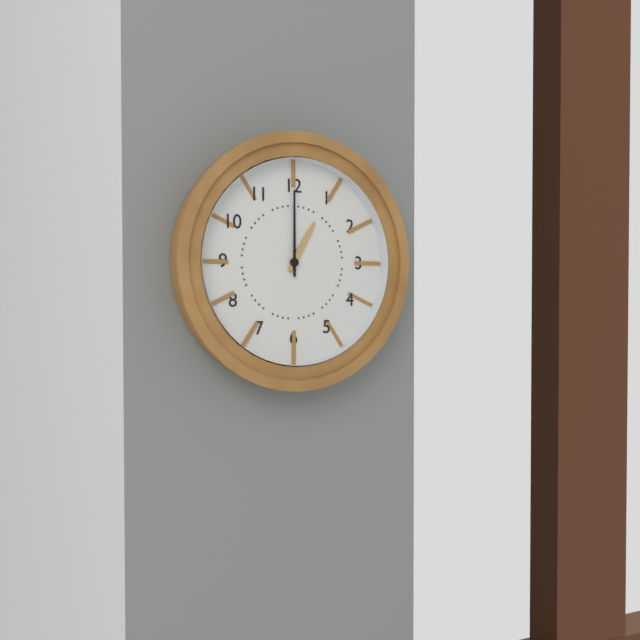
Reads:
1,00
